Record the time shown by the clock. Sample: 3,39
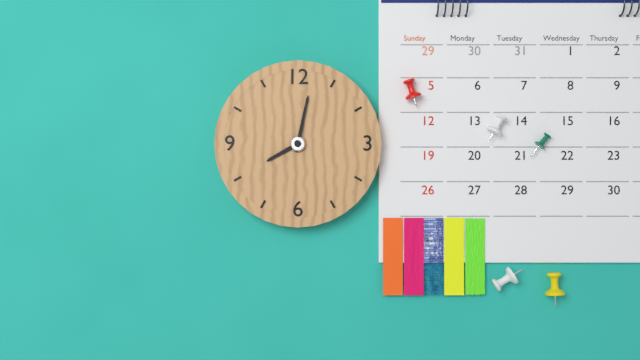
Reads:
8,02
